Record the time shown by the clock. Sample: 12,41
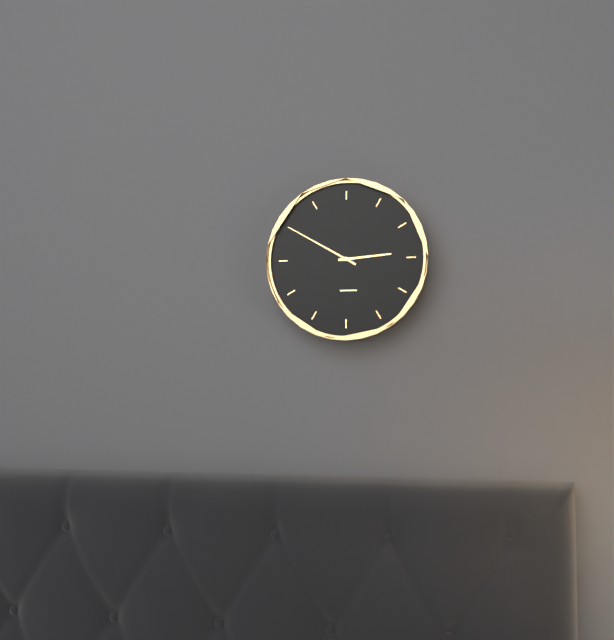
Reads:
2,50
